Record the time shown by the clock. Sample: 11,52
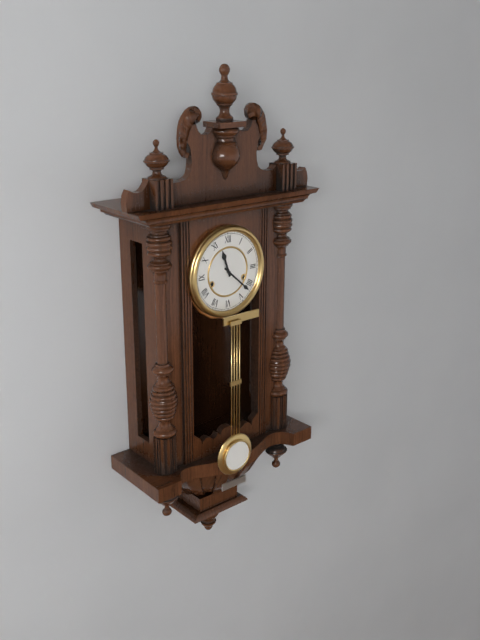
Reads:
11,22
